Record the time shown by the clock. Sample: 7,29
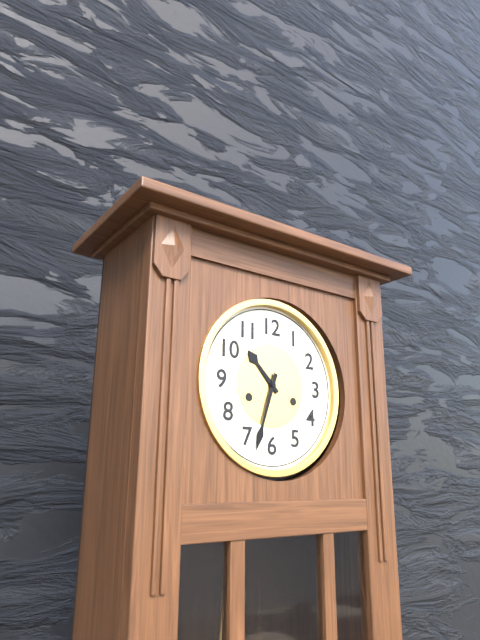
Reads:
10,33
